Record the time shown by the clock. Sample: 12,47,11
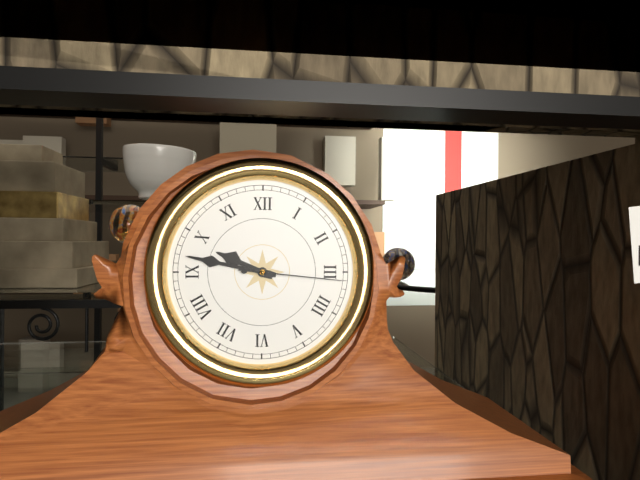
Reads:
9,47,16
